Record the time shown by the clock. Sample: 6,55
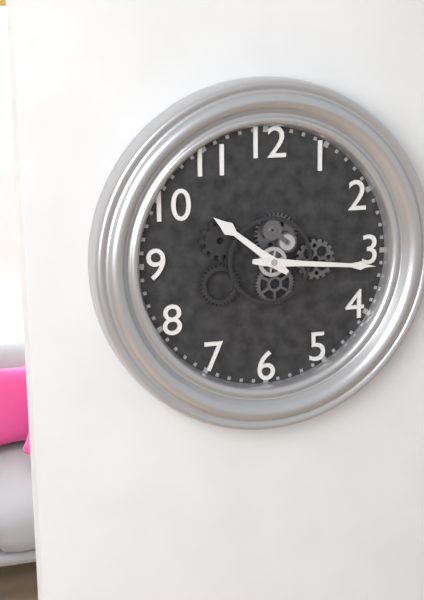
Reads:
10,16
